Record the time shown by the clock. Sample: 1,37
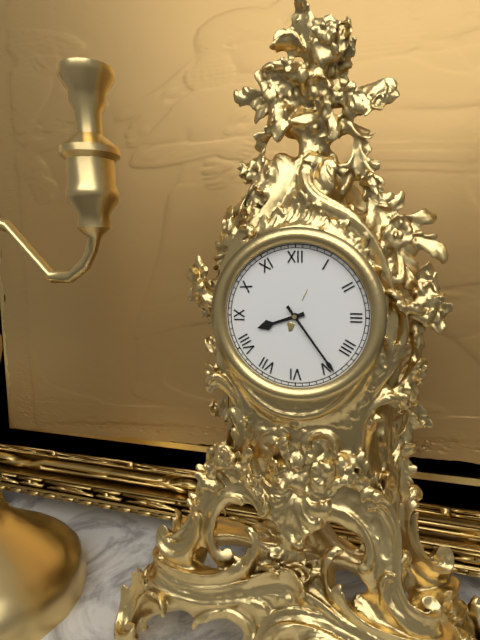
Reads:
8,24
